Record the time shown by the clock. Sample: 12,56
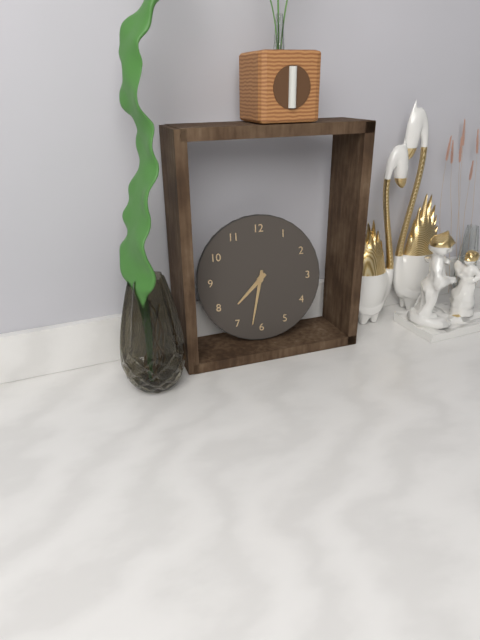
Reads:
7,32
